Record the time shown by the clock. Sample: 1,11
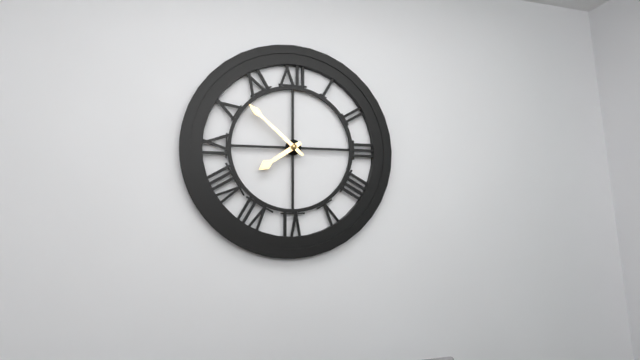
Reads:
7,52
